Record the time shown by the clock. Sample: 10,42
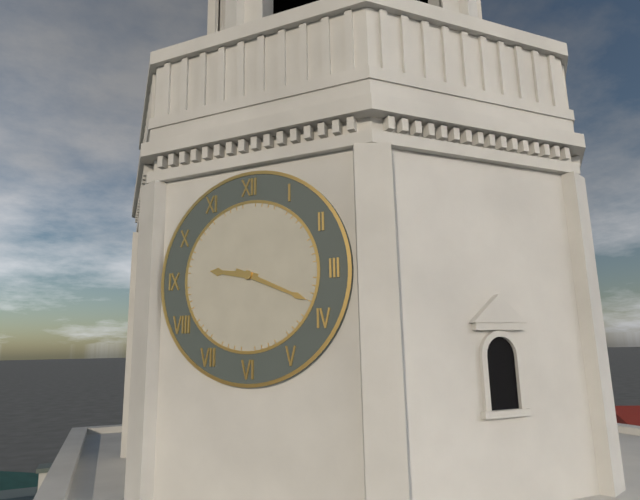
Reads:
9,19
